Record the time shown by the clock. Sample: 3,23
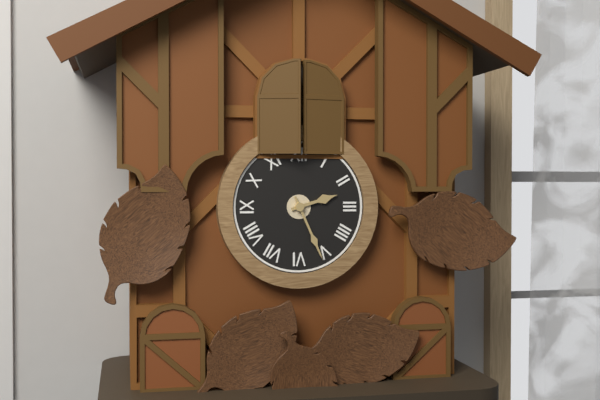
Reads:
2,26
